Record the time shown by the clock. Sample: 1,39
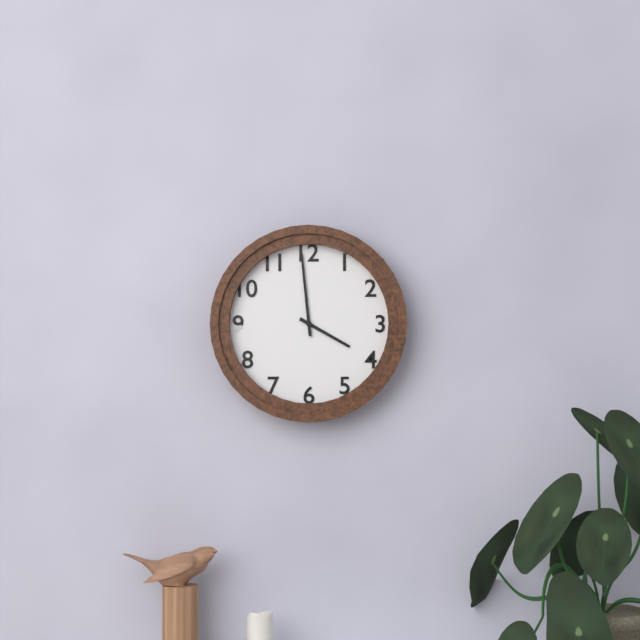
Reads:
3,59
